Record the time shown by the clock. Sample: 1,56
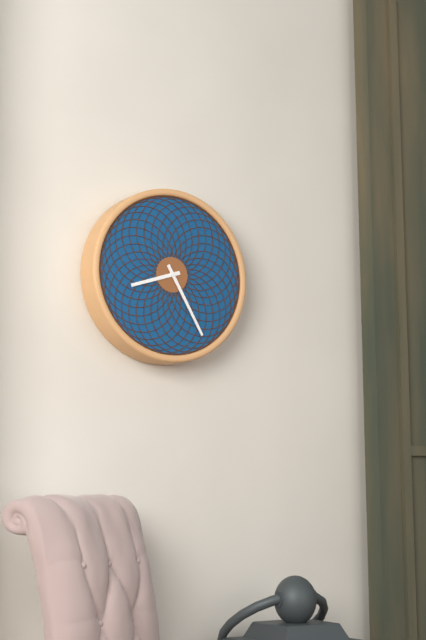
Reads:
8,25
